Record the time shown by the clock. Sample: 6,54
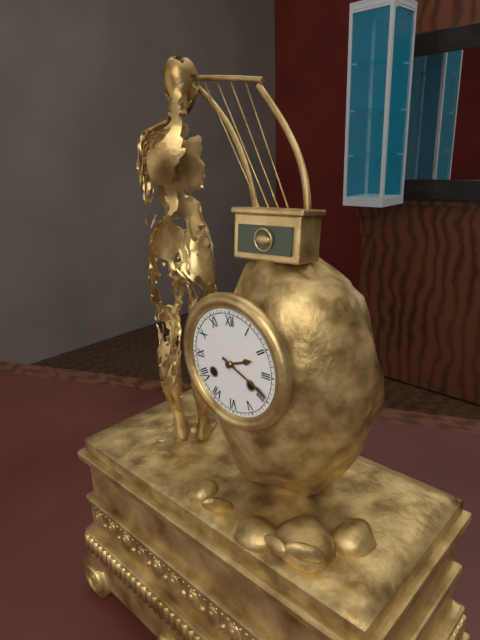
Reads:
2,19
